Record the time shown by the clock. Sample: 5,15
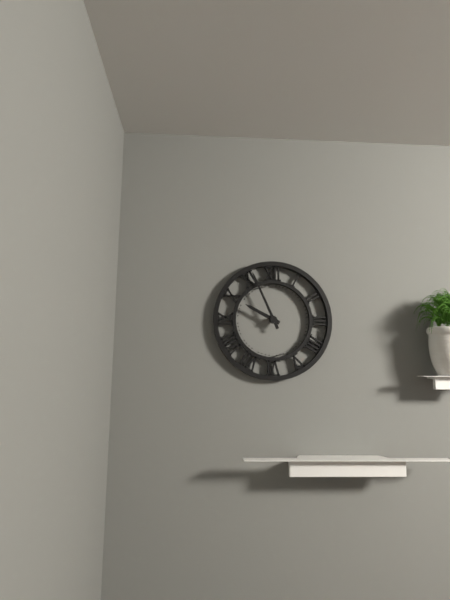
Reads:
9,56
